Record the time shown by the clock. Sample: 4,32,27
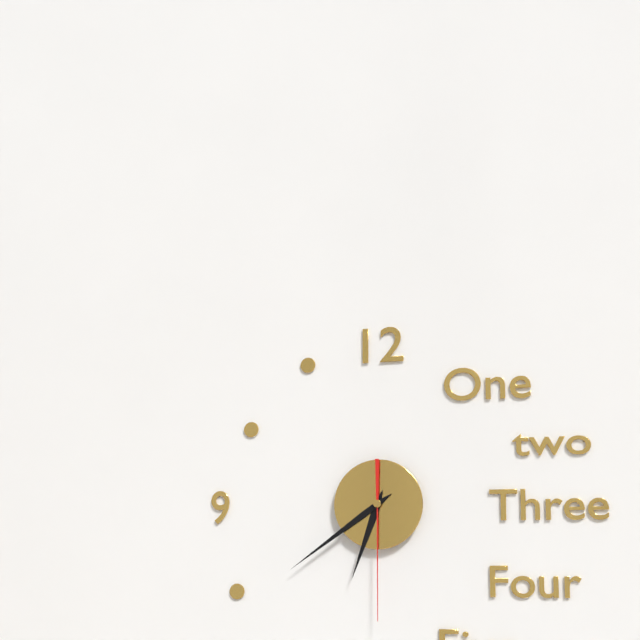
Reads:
6,39,30
